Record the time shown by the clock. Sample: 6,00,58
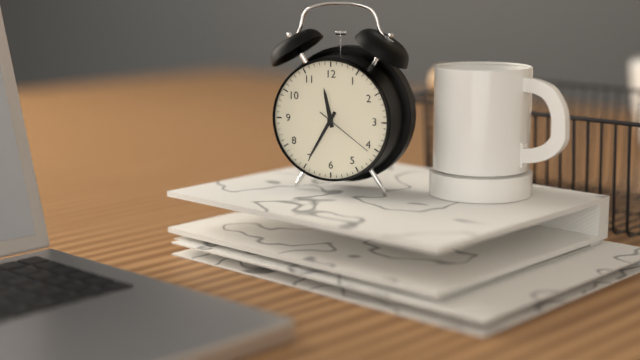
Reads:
11,35,21
